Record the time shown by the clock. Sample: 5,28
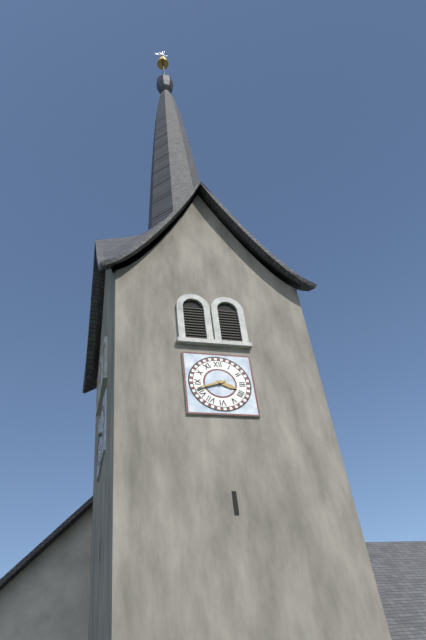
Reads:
3,42
